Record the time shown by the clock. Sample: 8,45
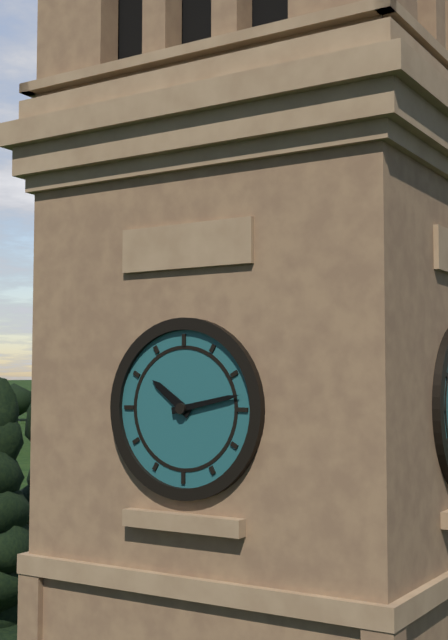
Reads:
10,13
